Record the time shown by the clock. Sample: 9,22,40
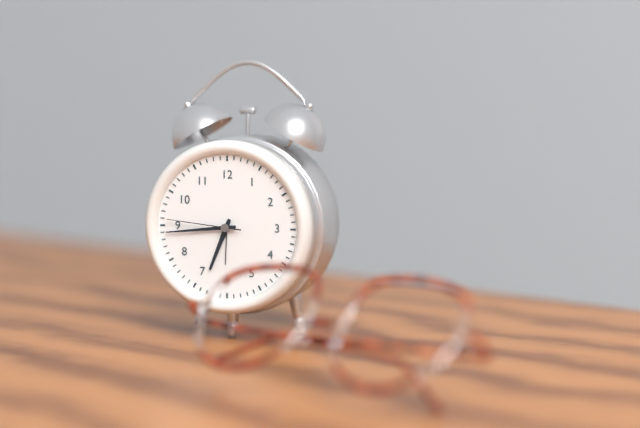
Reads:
6,44,46
